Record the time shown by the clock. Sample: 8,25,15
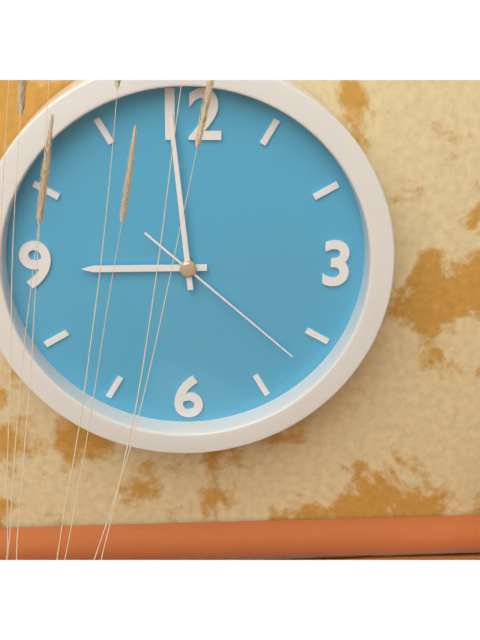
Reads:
8,59,22
